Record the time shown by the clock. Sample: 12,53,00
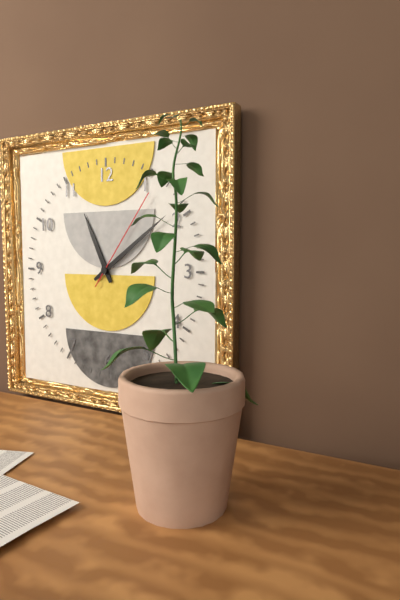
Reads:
11,09,06
